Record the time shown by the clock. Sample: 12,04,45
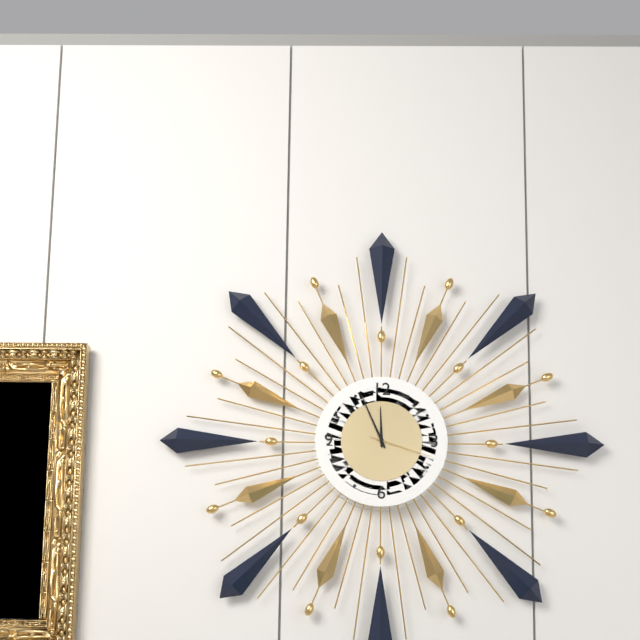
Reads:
11,56,18
